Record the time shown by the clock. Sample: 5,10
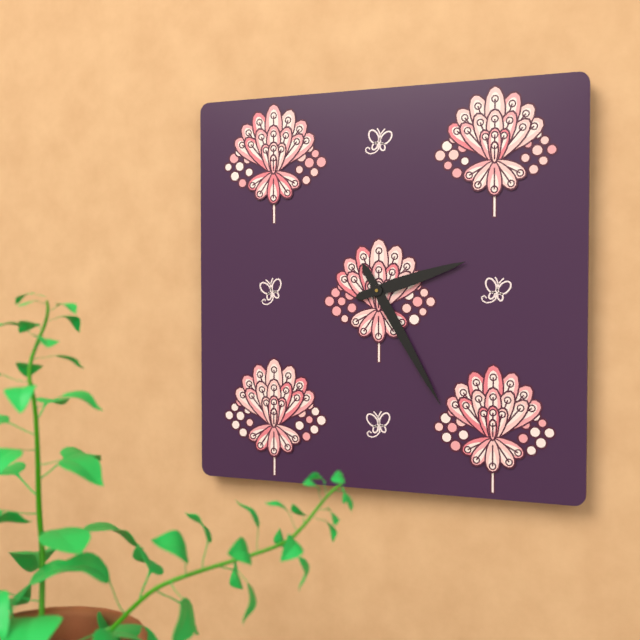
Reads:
2,25
